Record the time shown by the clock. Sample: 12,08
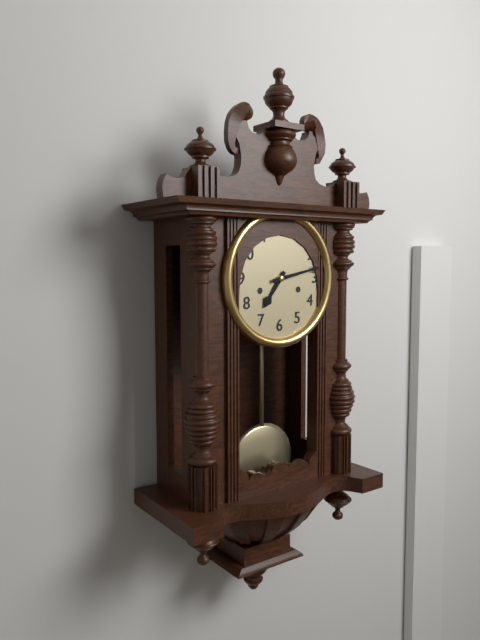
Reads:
7,13
